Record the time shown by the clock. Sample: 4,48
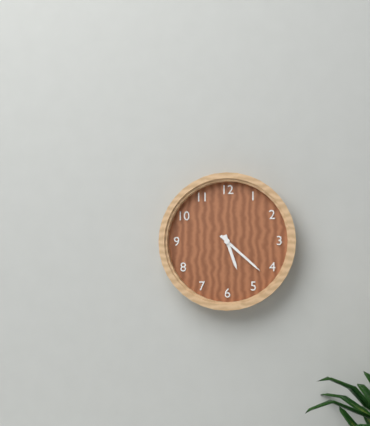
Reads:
5,22
